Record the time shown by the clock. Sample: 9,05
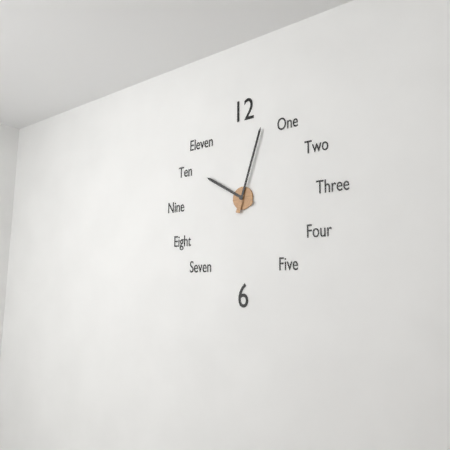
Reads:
10,03
